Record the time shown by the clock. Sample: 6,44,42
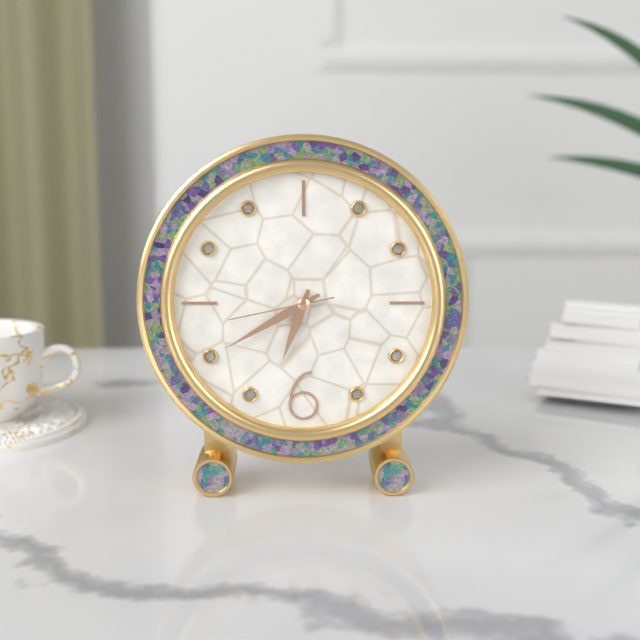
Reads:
6,40,43
